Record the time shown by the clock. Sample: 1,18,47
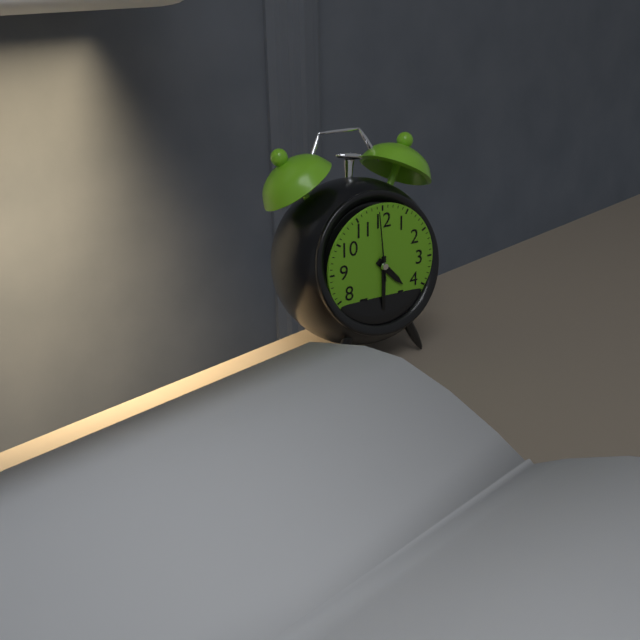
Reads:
4,30,59
